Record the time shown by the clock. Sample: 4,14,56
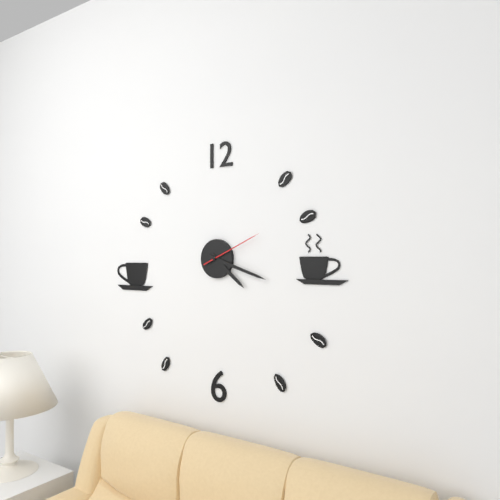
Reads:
4,18,11
